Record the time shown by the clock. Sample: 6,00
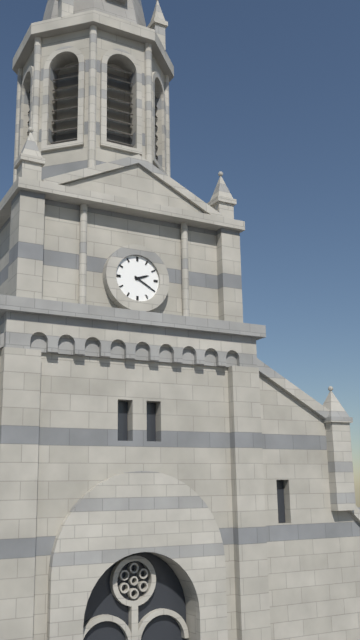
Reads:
2,20
